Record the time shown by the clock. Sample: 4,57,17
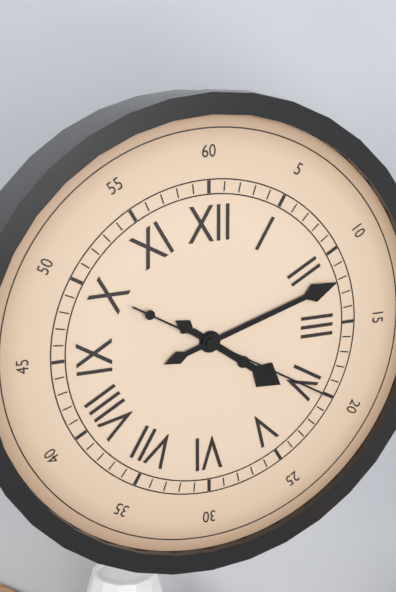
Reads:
4,12,20
